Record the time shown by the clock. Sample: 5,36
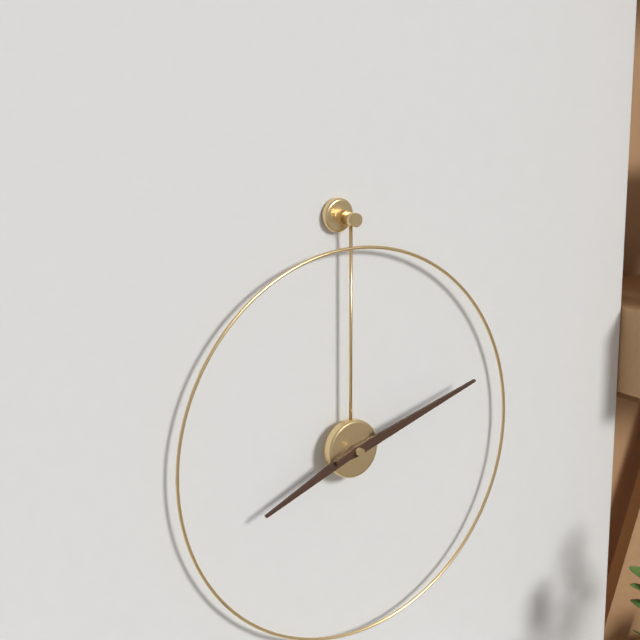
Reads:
8,12
